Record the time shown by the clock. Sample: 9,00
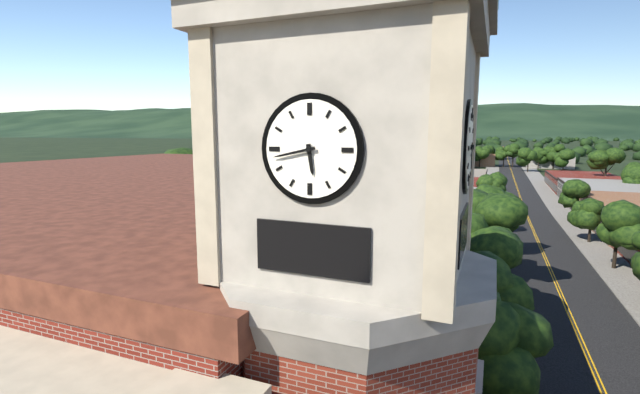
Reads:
5,43
